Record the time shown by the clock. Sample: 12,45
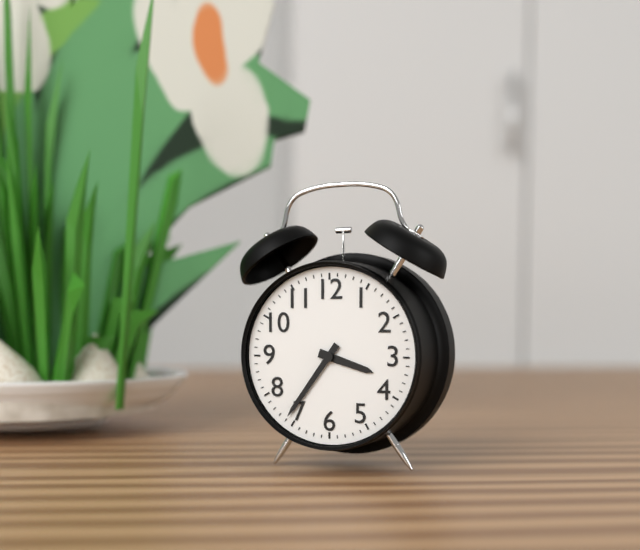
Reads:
3,36
